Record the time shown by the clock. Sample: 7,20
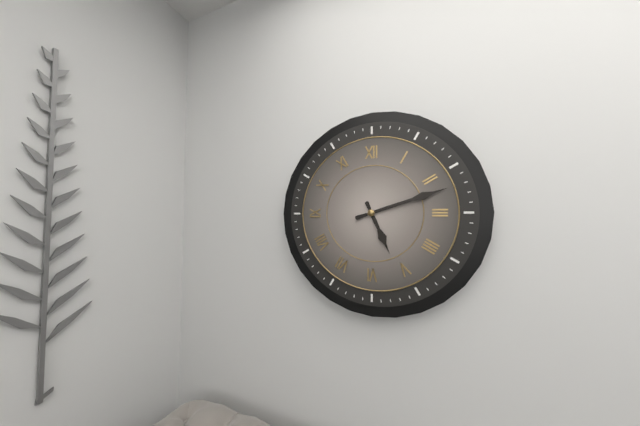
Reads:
5,12
